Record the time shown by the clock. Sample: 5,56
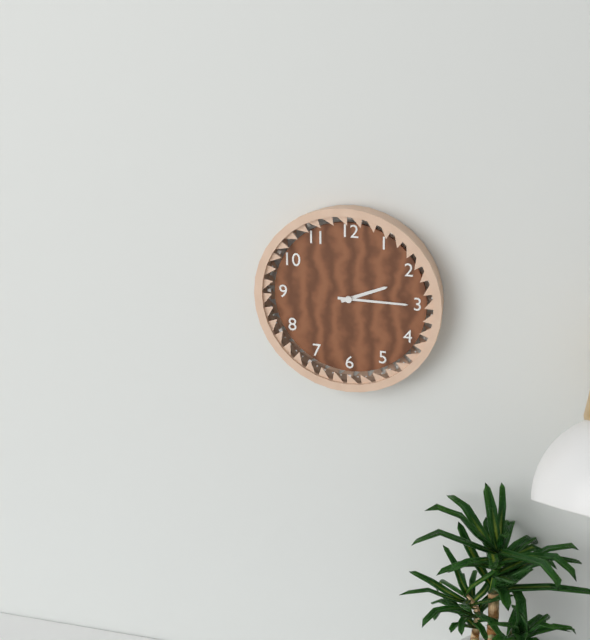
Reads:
2,15
